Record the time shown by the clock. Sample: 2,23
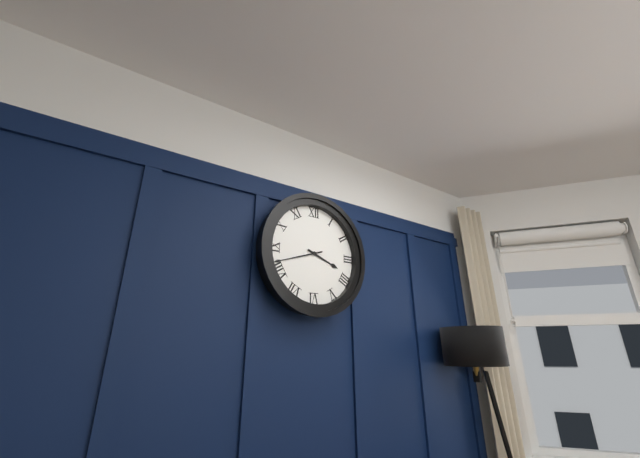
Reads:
3,42
